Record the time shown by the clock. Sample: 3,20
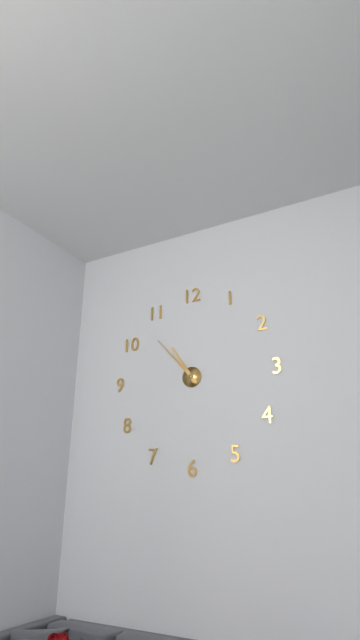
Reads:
10,53
